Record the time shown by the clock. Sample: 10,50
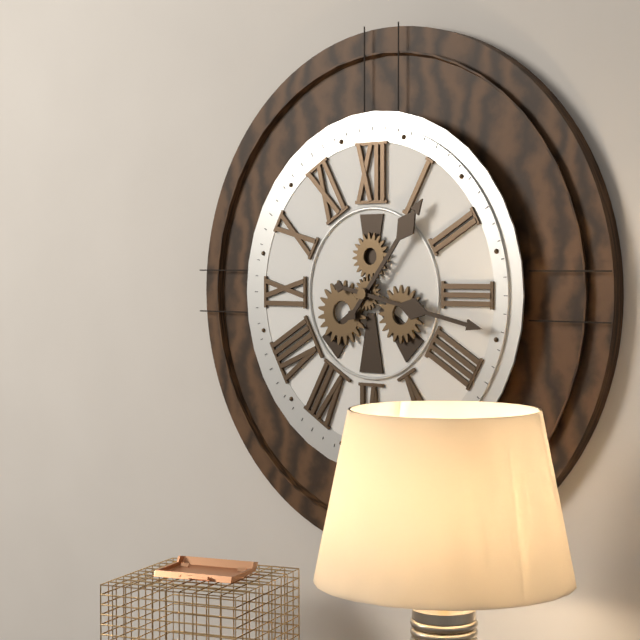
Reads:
1,17
